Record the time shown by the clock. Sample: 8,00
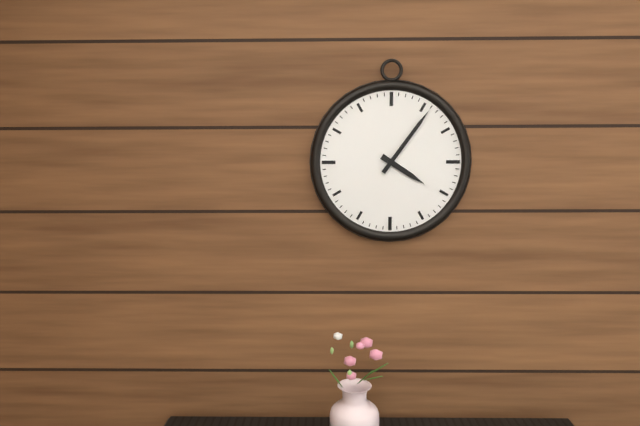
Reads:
4,06
